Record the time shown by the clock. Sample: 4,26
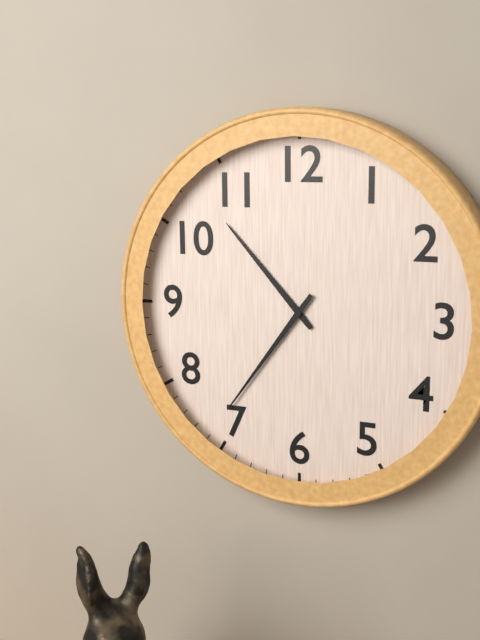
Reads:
10,36
